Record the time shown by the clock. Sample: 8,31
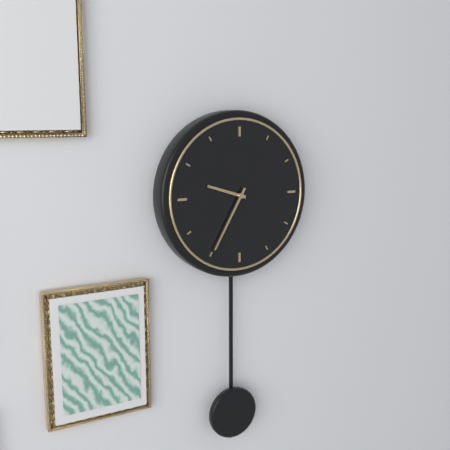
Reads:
9,35
